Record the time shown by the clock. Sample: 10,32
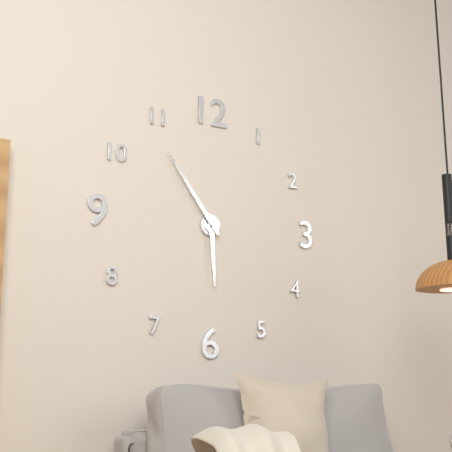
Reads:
5,54
